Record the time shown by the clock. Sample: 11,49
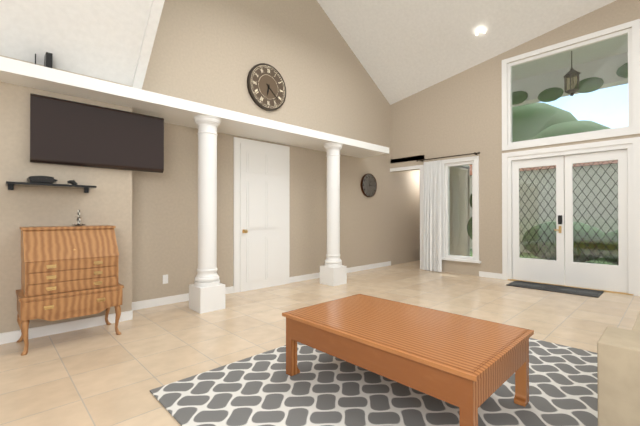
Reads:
6,22
